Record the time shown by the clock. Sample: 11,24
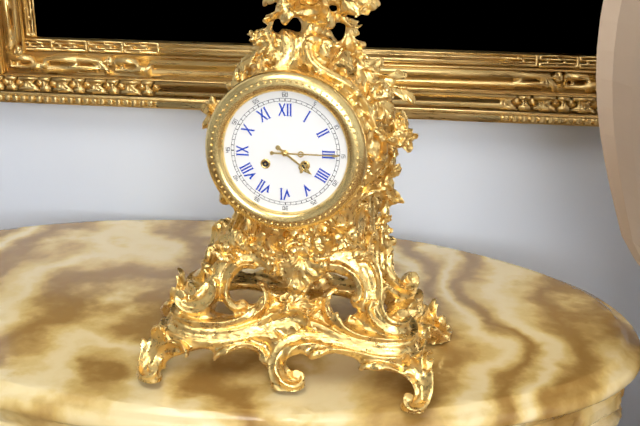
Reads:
4,15
